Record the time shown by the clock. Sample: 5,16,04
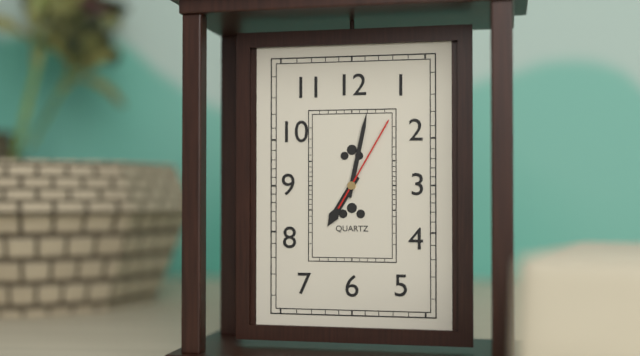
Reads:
7,02,05
